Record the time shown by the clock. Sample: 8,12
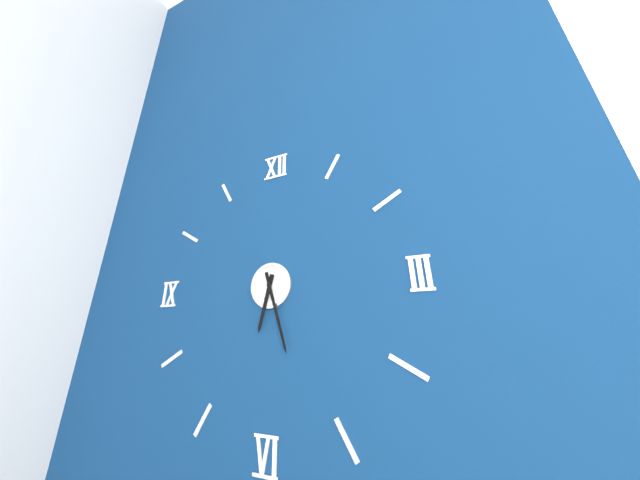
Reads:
6,27
